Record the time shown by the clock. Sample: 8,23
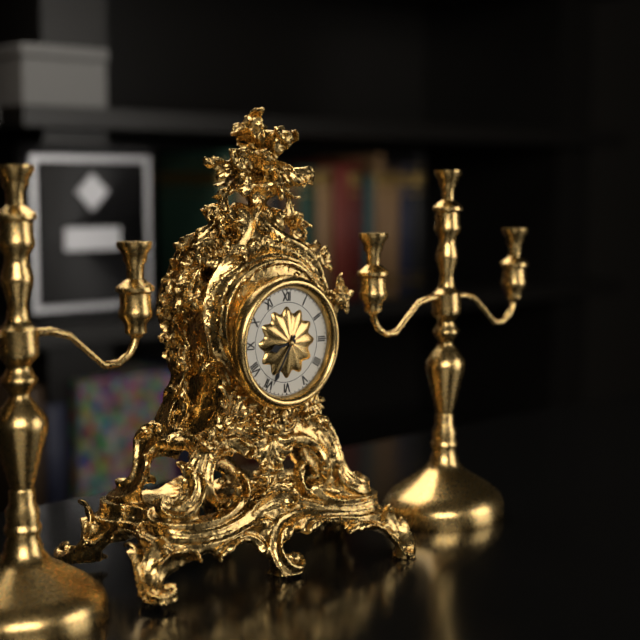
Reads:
8,35
